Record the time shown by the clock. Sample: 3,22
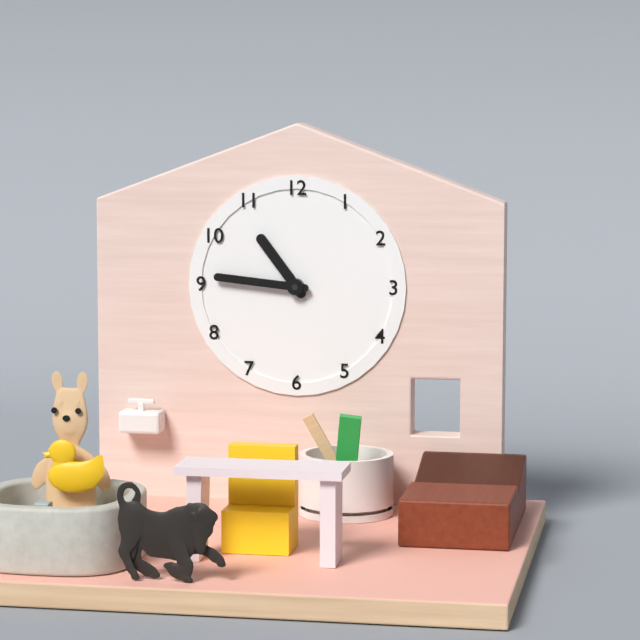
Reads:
10,46
